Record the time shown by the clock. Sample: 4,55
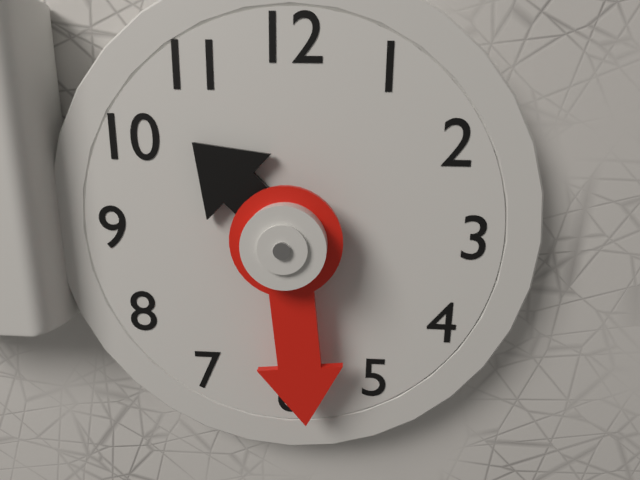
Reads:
10,29
